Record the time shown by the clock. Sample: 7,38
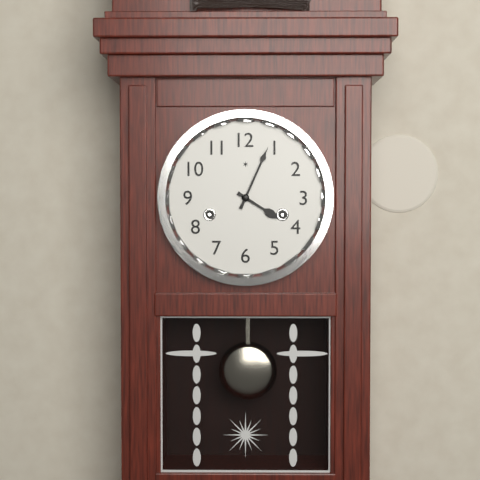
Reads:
4,04
